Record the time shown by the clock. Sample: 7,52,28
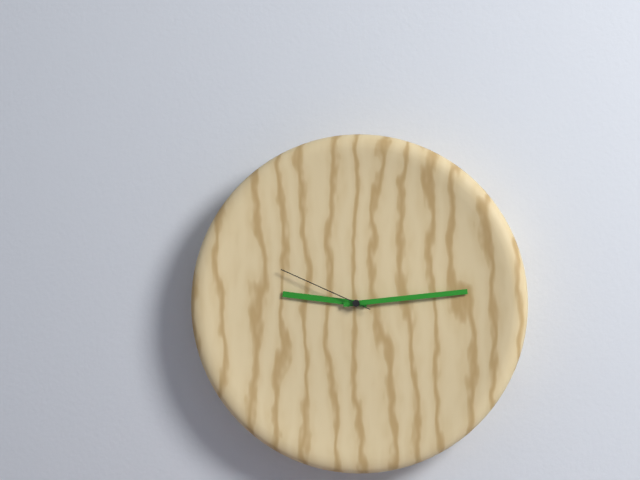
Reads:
9,14,49
